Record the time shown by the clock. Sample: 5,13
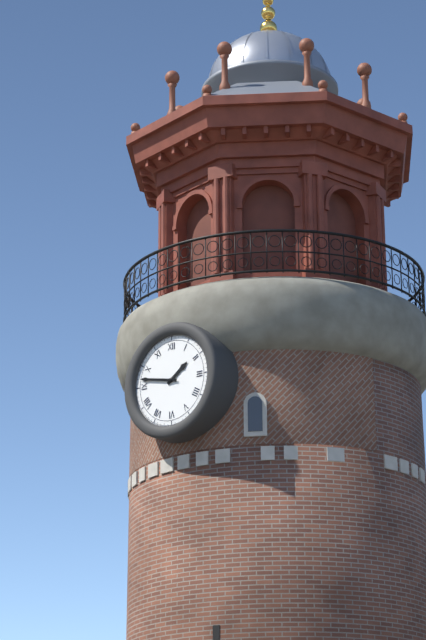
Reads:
1,47
